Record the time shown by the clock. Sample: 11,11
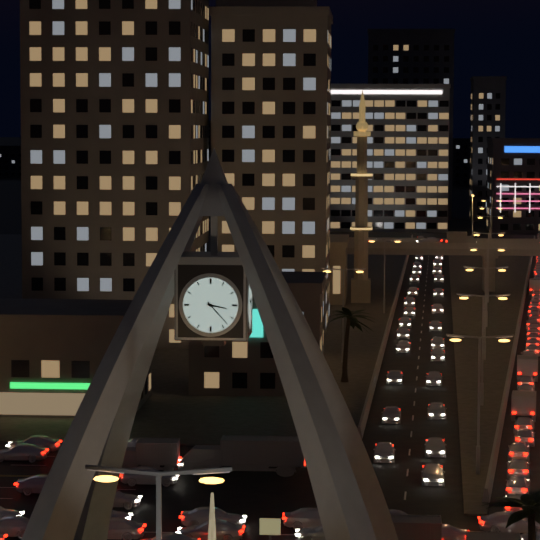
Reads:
3,23
